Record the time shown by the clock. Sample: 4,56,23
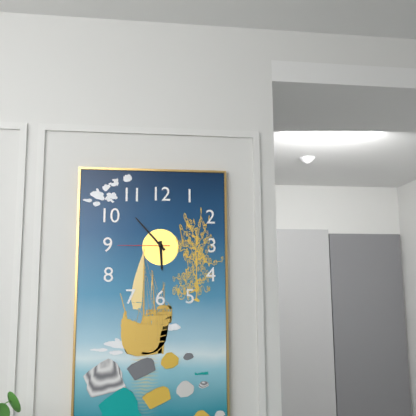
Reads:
5,53,45
